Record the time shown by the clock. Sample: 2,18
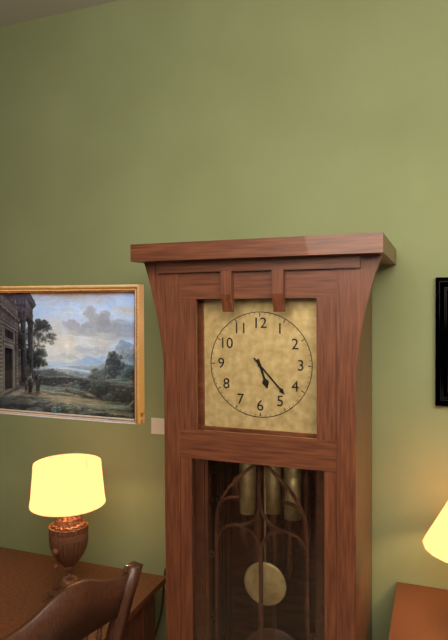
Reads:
5,23
